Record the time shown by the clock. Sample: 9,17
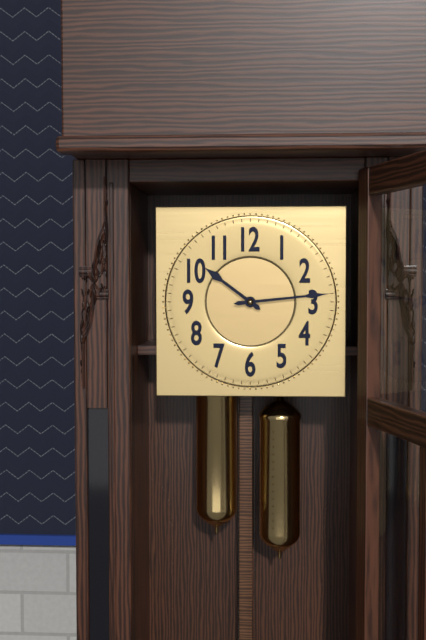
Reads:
10,14
